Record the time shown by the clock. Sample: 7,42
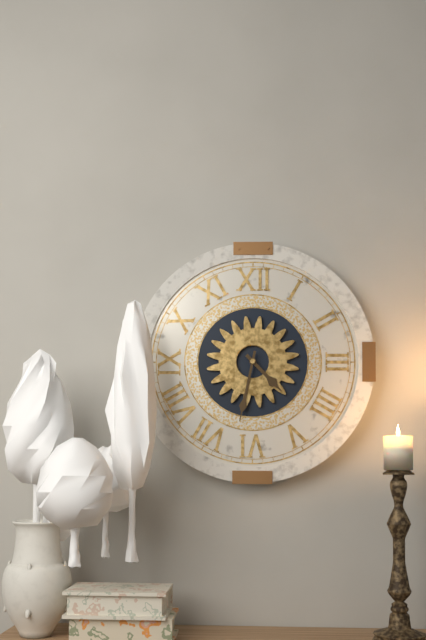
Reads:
4,32
